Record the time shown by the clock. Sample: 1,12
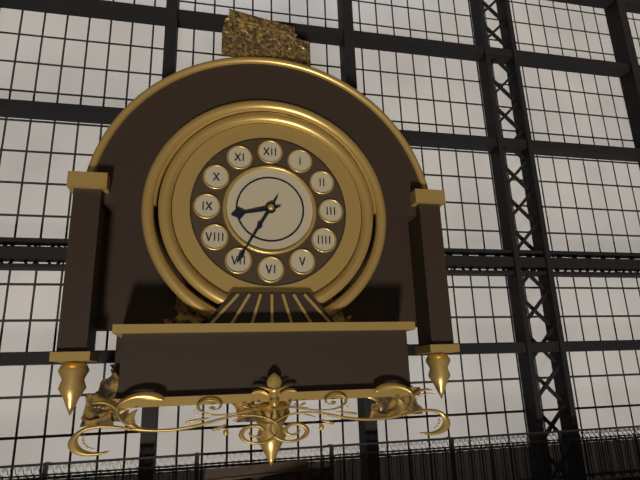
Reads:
8,35
